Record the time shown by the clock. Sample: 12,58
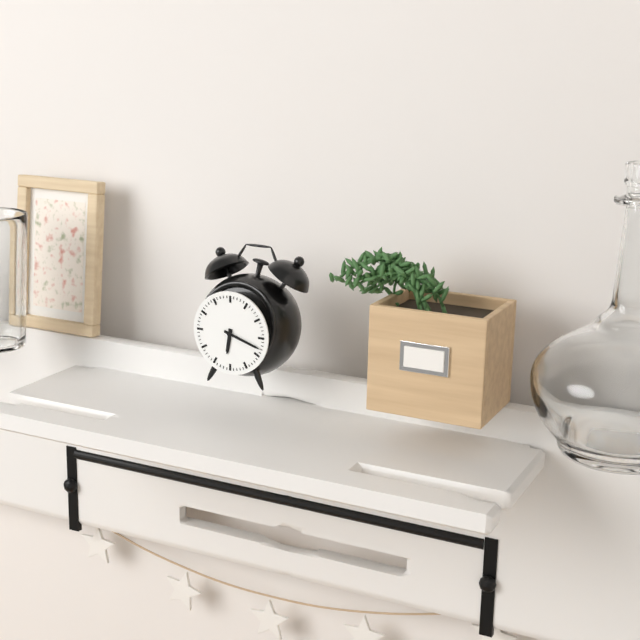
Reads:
6,18
